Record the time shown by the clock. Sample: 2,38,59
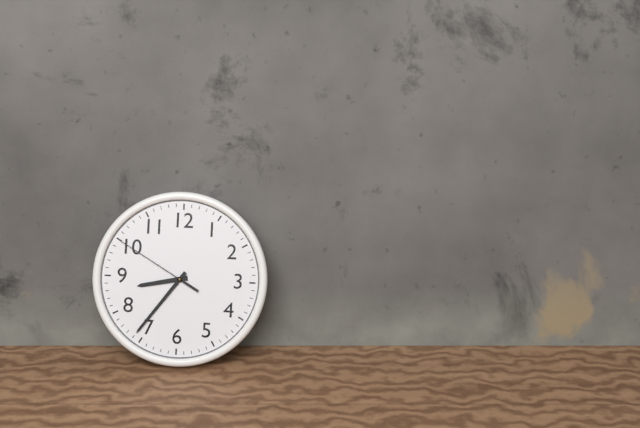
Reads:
8,36,50
